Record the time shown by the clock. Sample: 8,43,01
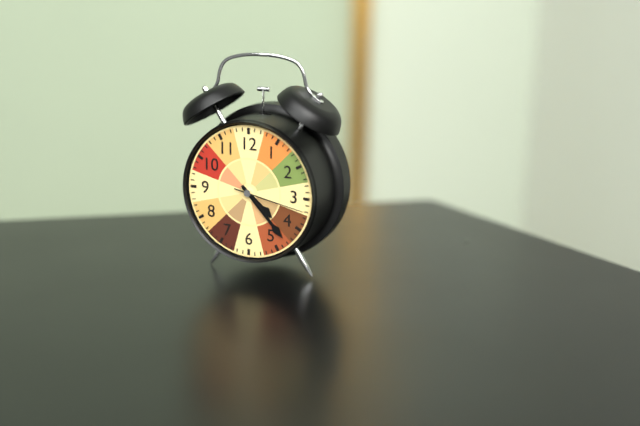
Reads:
4,23,17
